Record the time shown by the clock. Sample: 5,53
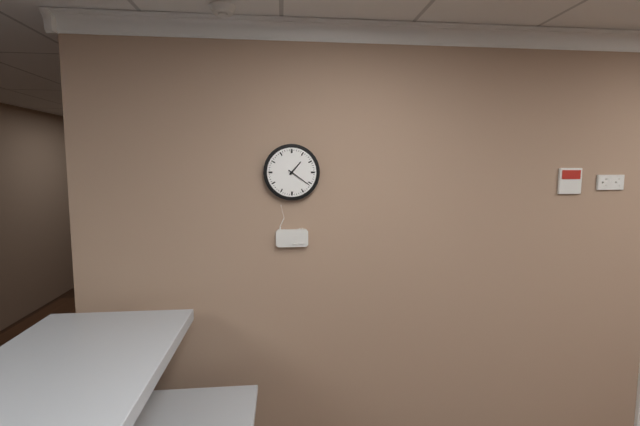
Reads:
1,21
